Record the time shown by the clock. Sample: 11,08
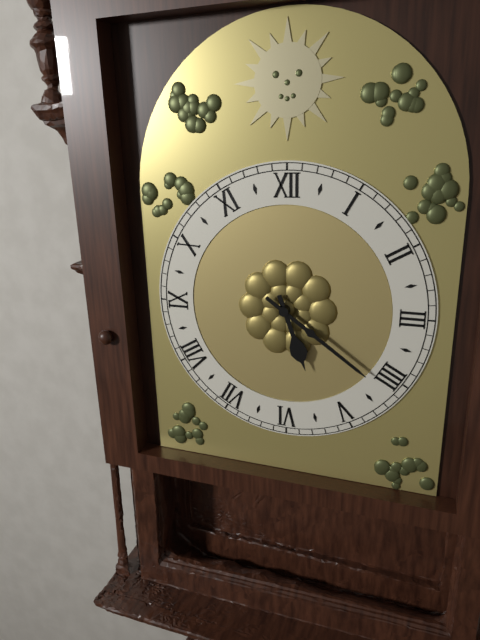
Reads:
5,21
